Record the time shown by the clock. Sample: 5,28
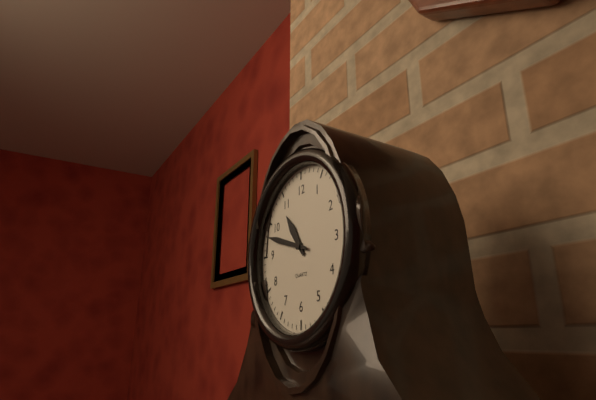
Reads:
10,48
